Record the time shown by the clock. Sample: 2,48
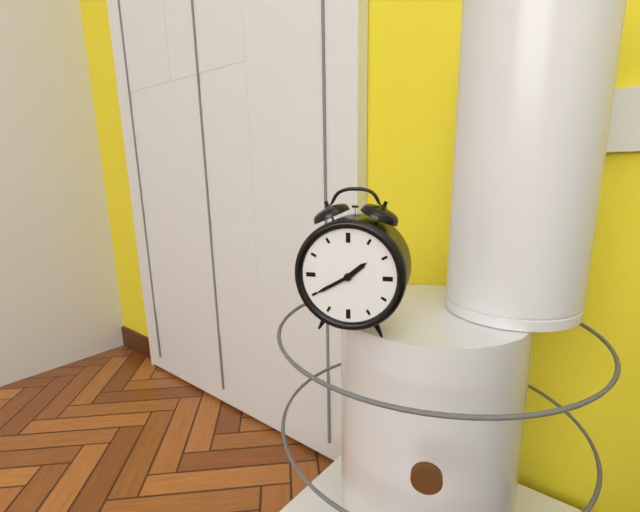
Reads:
1,40
